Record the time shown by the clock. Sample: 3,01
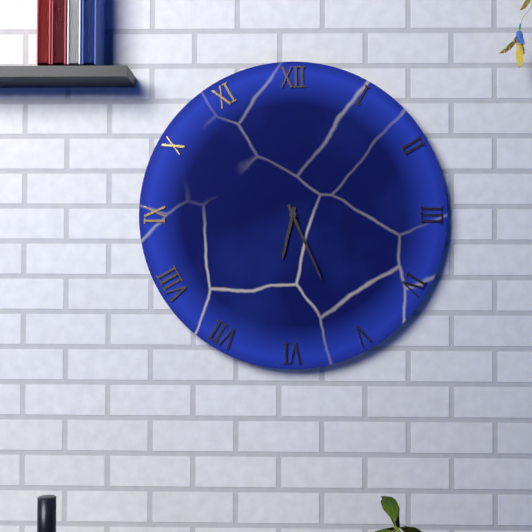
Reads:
6,26
